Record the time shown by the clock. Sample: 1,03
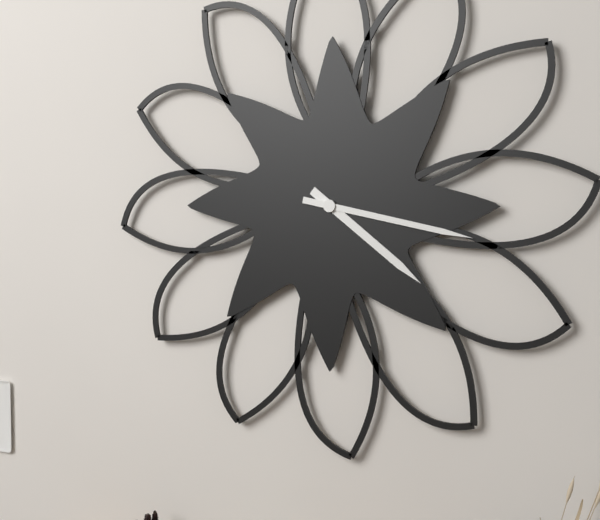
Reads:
4,17
